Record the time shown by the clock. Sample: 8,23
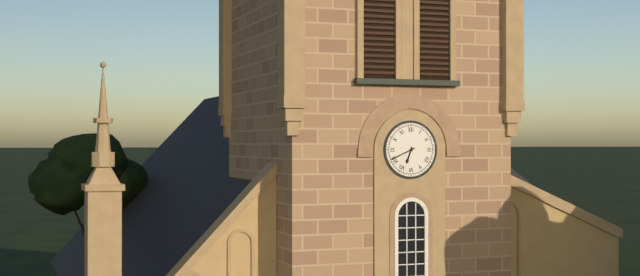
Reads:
6,41
